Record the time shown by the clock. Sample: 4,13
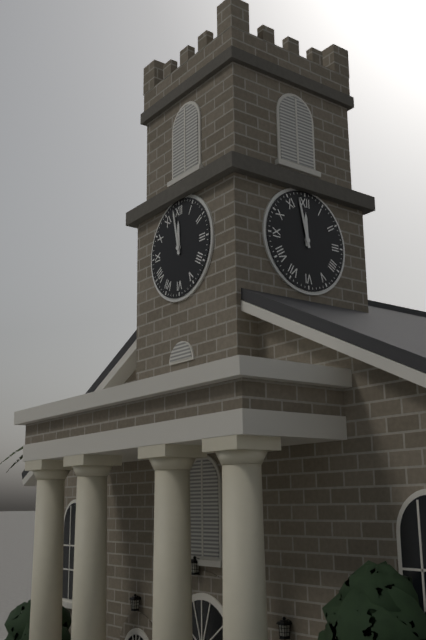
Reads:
11,58
